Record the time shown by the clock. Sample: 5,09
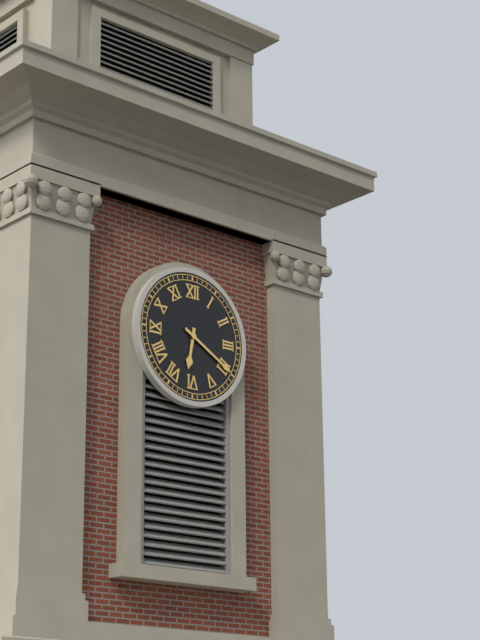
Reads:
6,20
